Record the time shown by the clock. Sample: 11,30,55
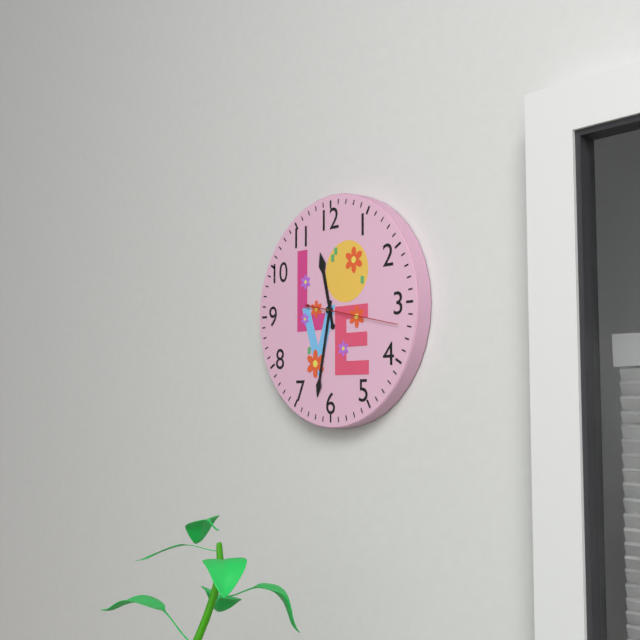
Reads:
11,32,17
